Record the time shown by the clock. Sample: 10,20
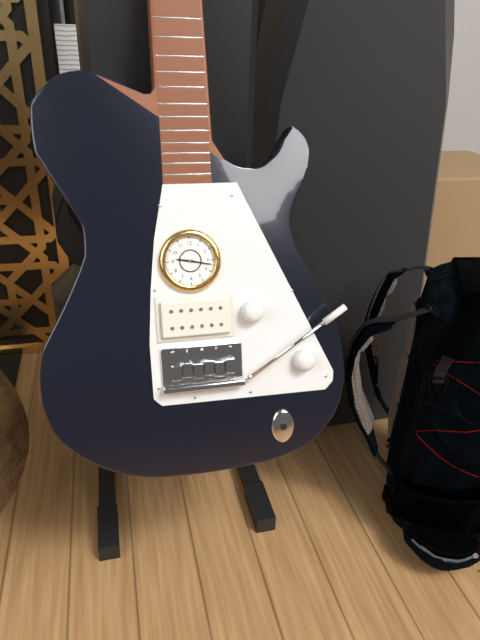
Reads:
9,17
